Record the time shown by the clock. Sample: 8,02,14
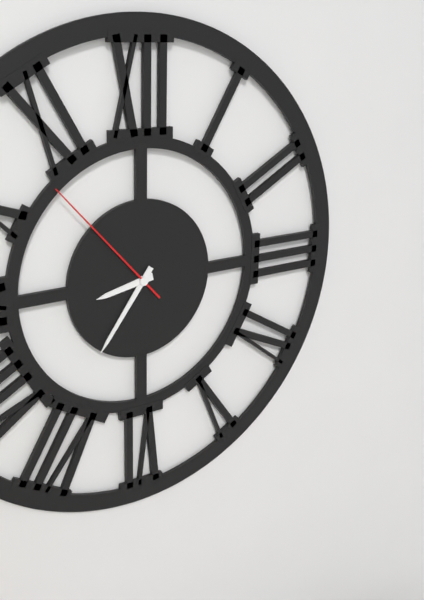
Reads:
8,36,53
